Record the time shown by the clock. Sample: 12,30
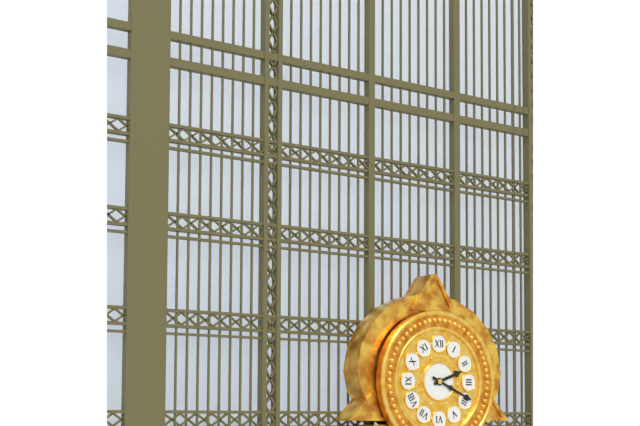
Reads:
2,19
